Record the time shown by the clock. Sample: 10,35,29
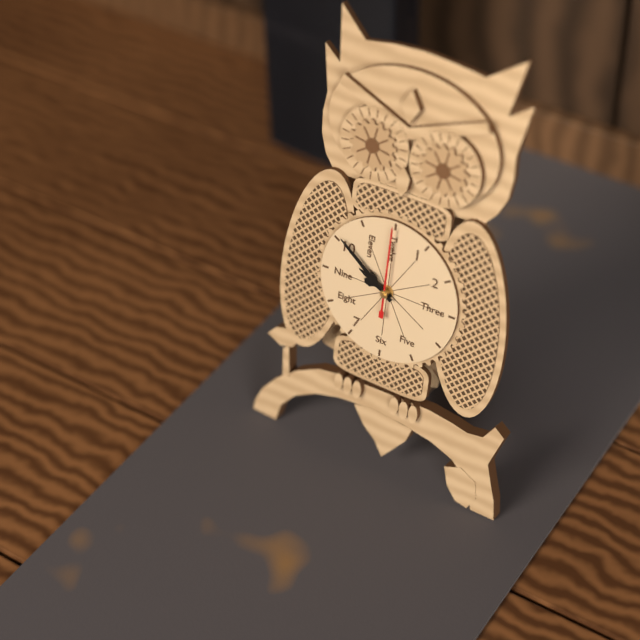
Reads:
9,51,00
